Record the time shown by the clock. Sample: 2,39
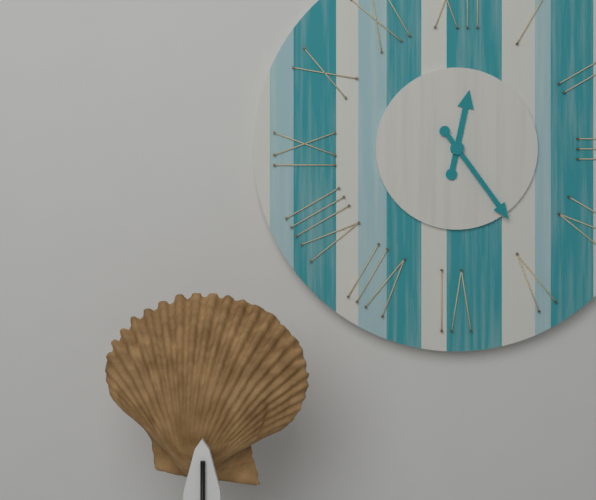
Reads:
12,24
